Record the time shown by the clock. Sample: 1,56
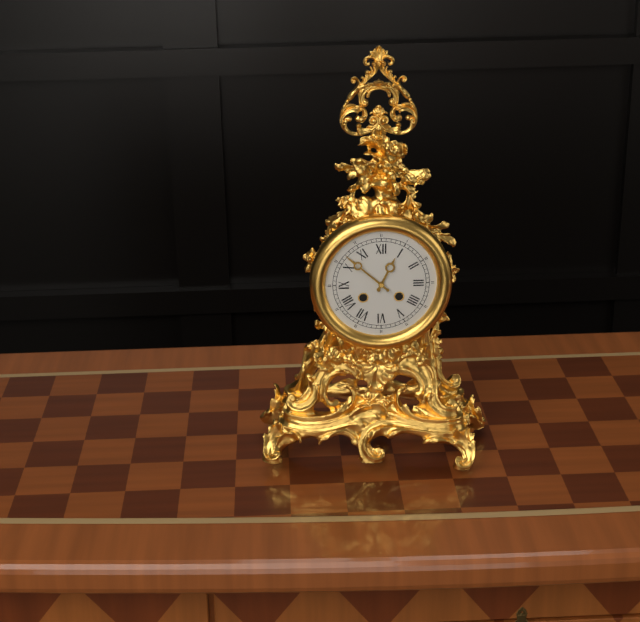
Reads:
12,52
